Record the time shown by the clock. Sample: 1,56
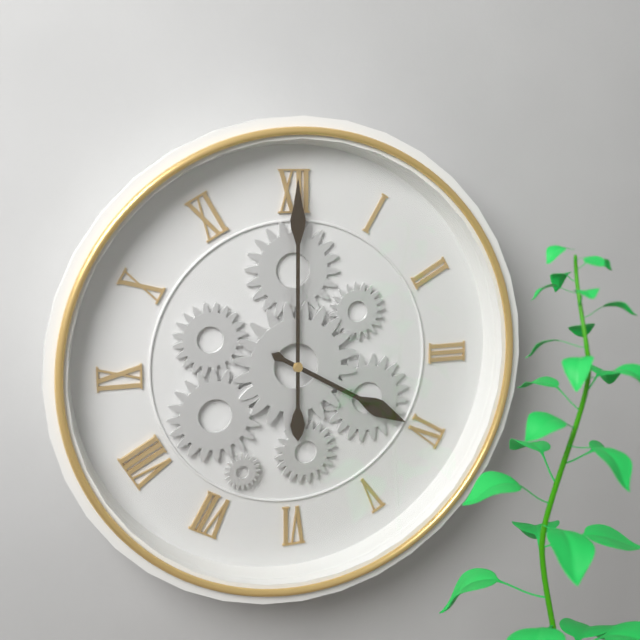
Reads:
4,00
